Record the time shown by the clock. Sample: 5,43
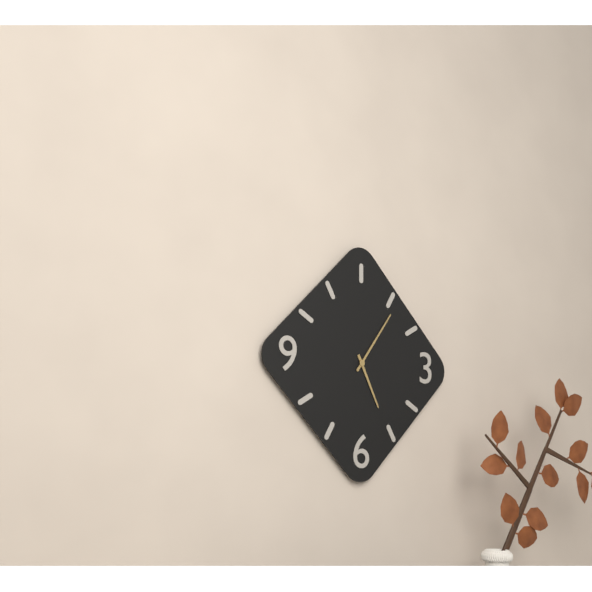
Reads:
5,06
